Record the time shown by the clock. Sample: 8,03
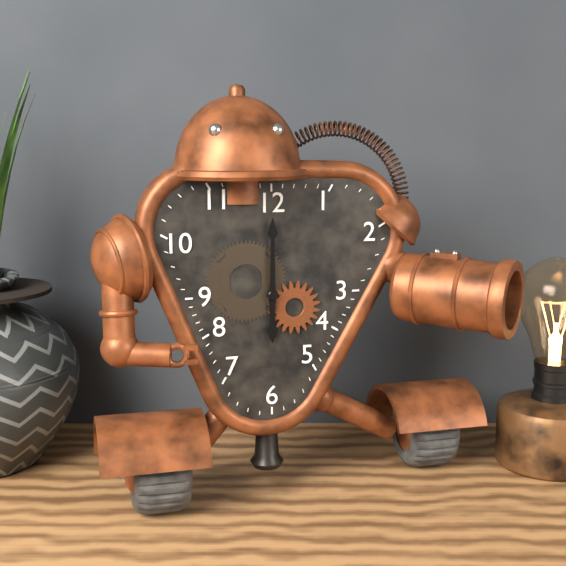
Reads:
6,00
